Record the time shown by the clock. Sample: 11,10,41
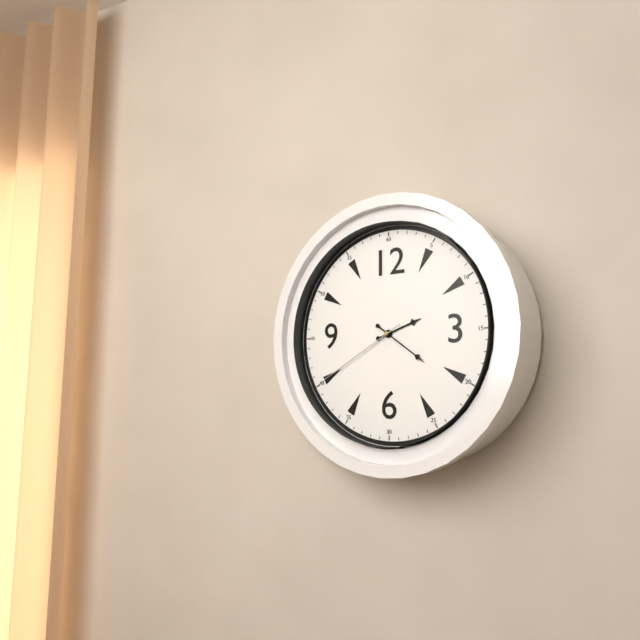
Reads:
2,21,40
